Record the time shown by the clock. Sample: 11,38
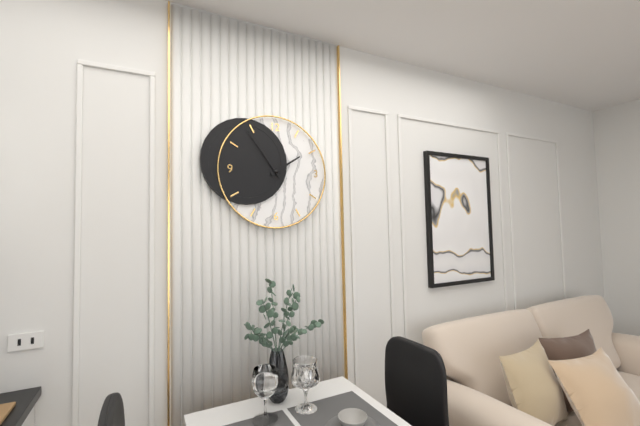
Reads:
1,54
